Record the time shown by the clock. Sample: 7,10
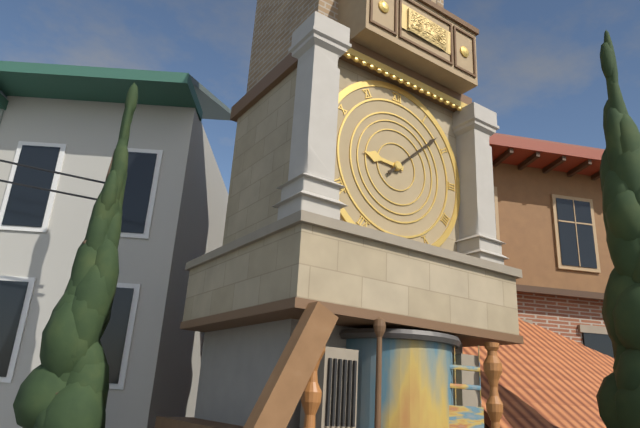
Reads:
9,08
